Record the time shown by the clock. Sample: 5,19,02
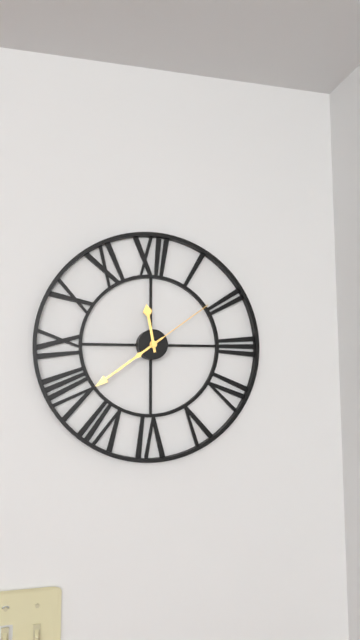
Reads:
11,39,09
